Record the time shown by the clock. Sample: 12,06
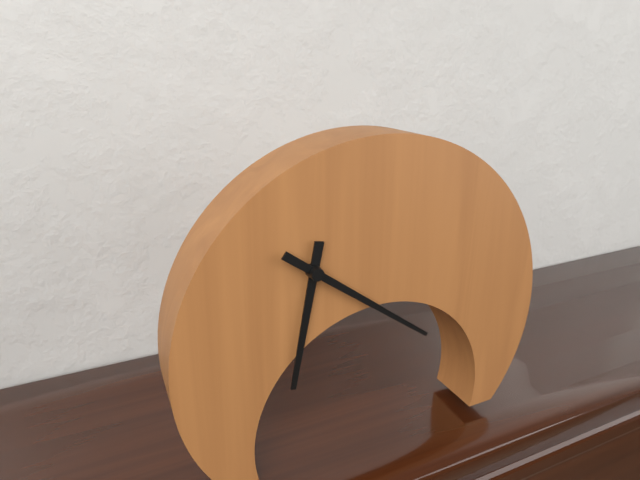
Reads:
6,21
